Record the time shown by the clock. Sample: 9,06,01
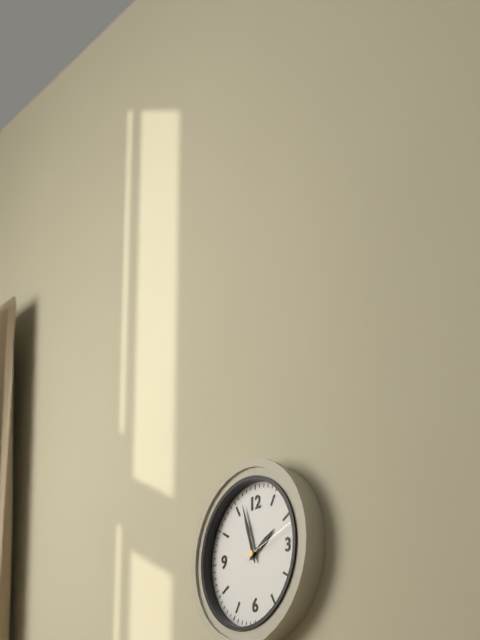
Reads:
1,57,12
